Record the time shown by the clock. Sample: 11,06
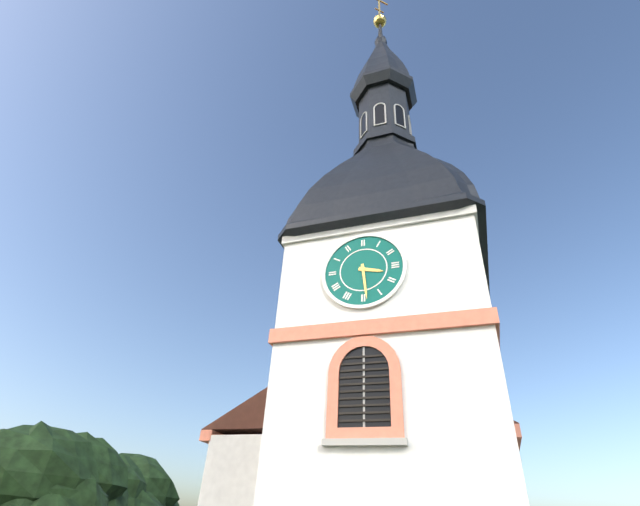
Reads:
3,29
